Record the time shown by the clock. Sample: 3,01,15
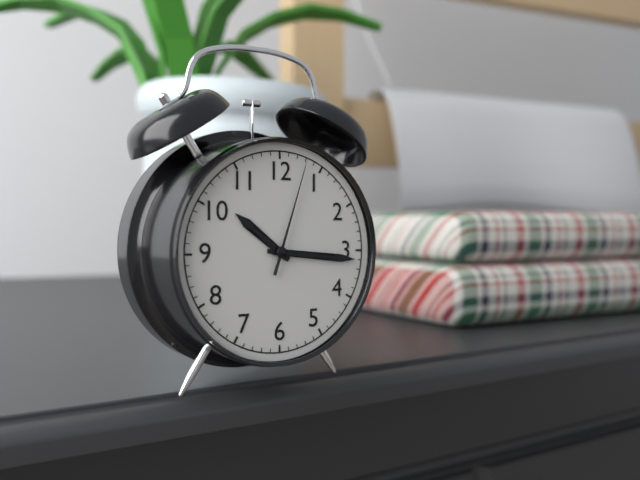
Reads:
10,16,03
